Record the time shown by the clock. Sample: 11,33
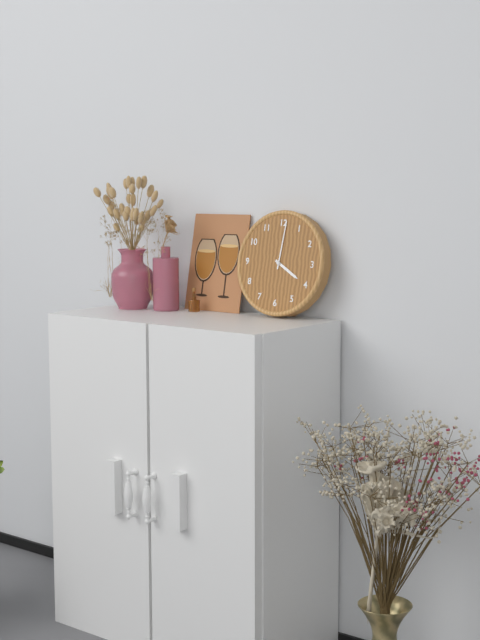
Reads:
4,01
